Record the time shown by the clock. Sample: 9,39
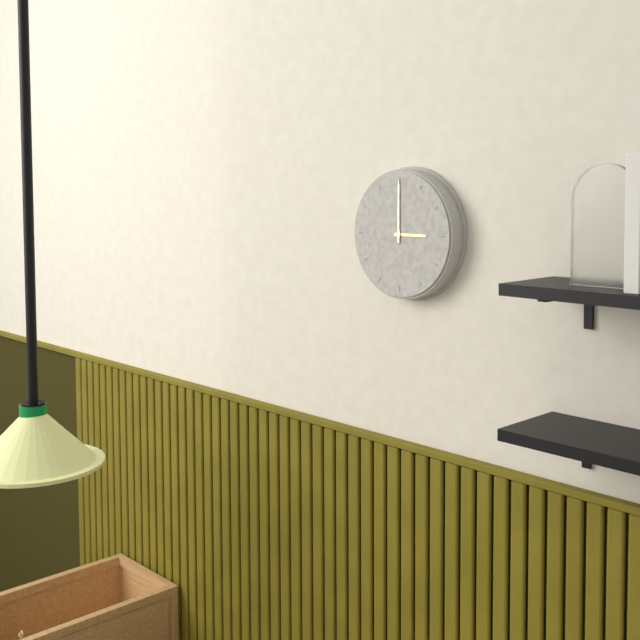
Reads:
3,00
